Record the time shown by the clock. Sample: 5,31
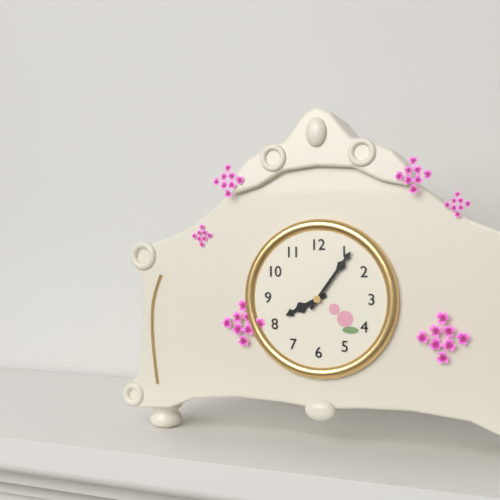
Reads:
8,06
